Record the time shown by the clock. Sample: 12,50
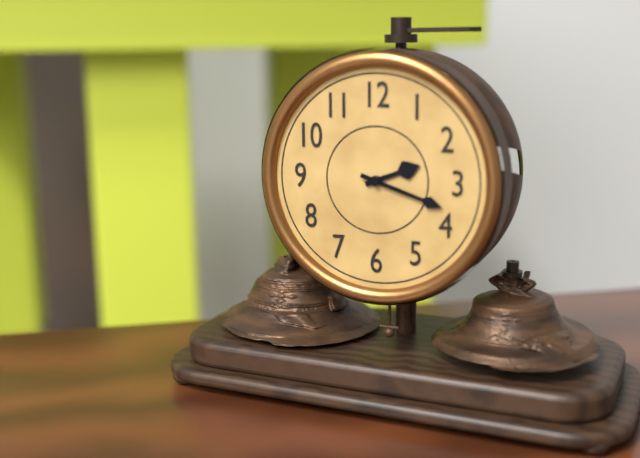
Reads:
2,18
